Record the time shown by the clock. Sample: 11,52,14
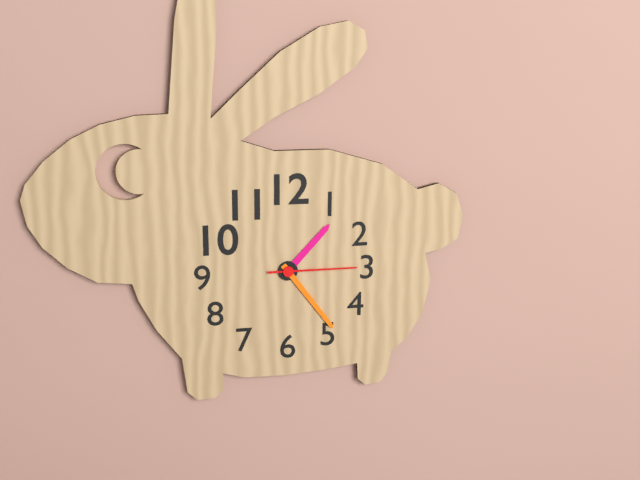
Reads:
1,24,15
